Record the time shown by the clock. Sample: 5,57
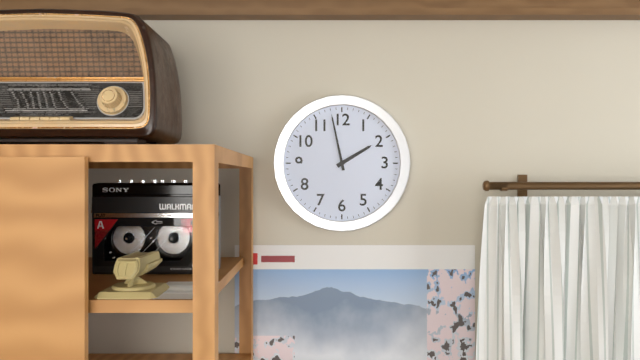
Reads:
1,58
